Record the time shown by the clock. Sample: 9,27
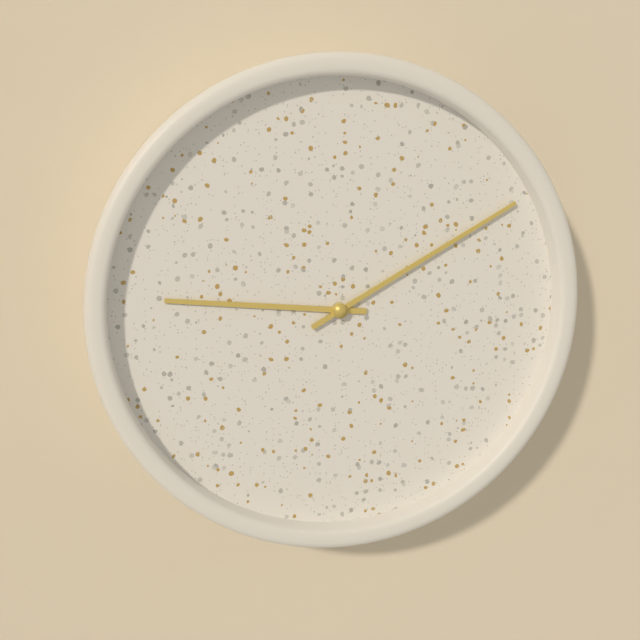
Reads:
9,10
